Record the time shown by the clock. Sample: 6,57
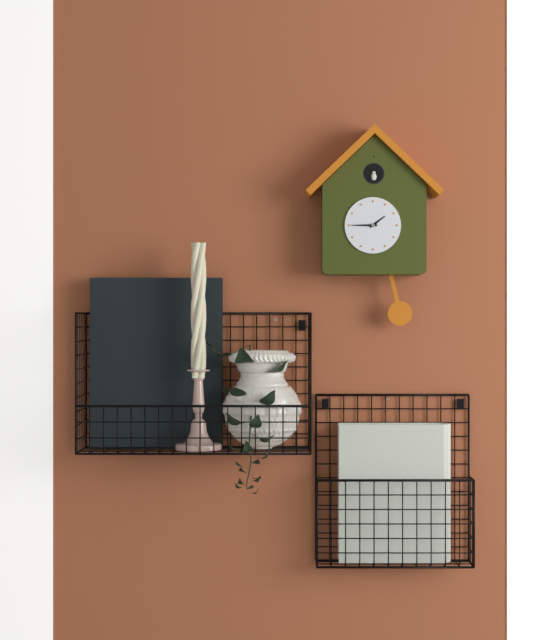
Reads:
1,45
